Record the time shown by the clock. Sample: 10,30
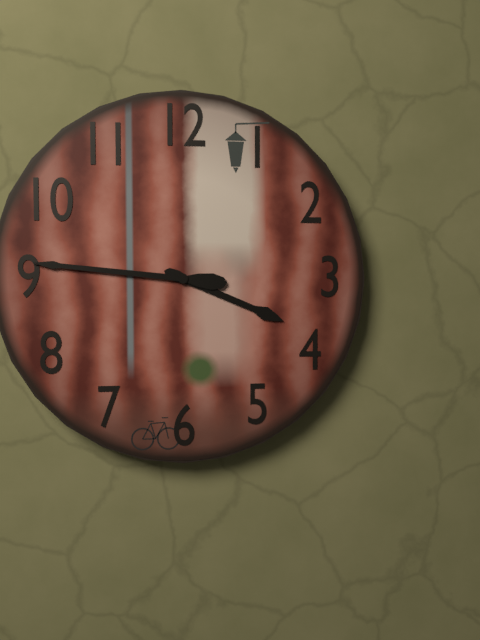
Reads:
3,46
